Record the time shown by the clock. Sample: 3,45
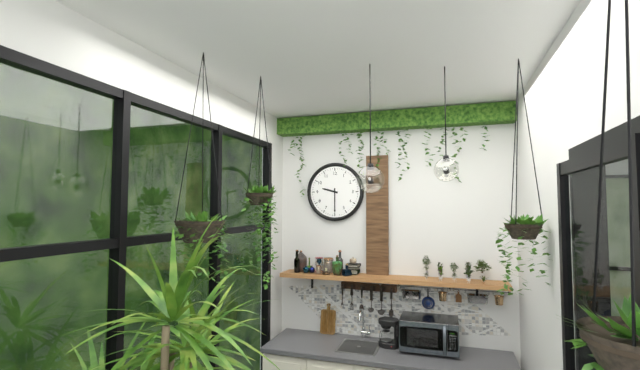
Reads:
9,30
